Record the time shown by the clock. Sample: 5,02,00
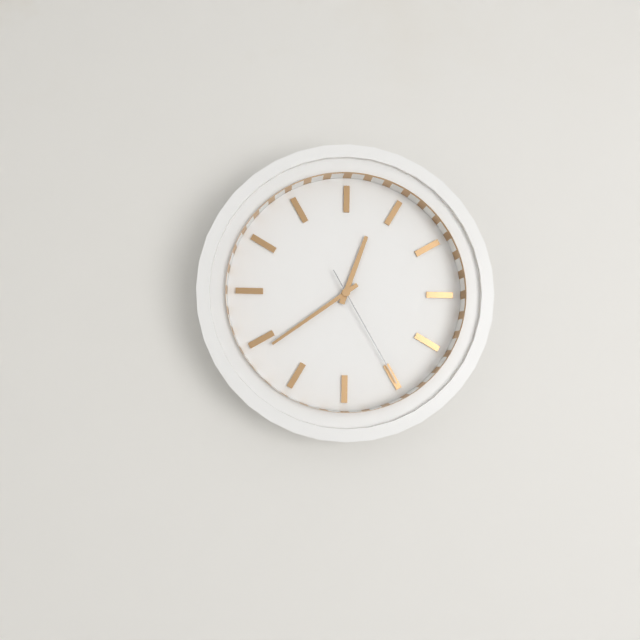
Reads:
12,39,25
